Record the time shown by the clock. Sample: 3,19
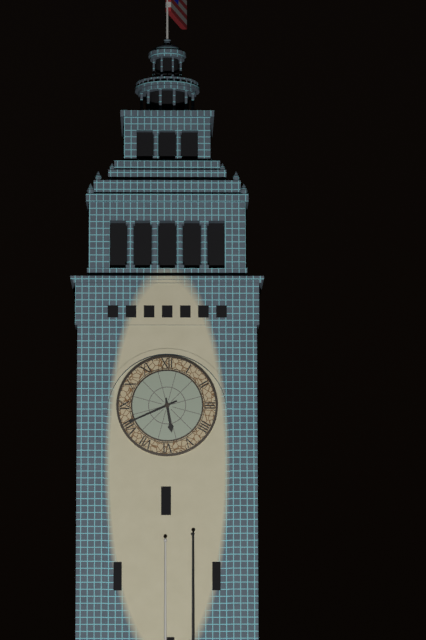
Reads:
5,41
